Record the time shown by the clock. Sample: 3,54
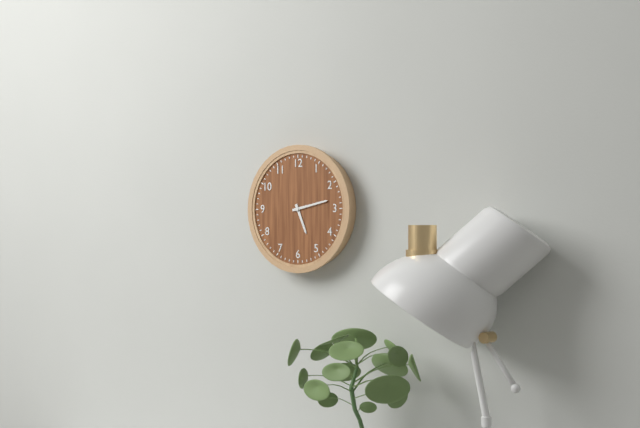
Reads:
5,13
